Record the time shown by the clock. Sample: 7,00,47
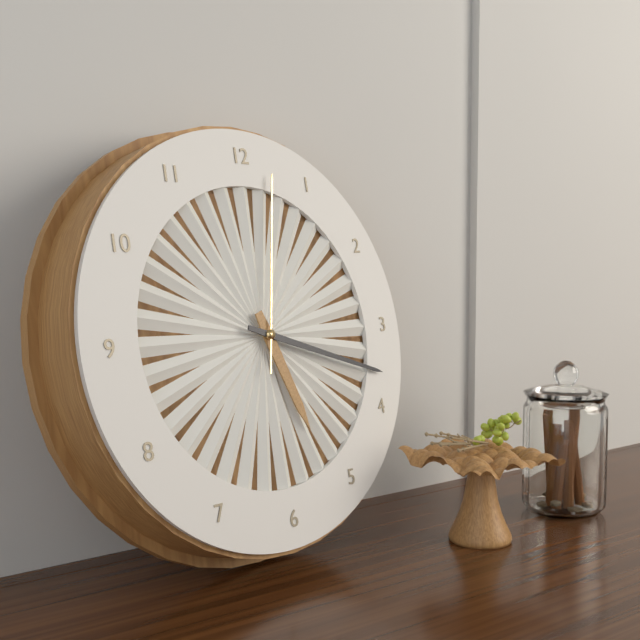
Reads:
5,18,02
